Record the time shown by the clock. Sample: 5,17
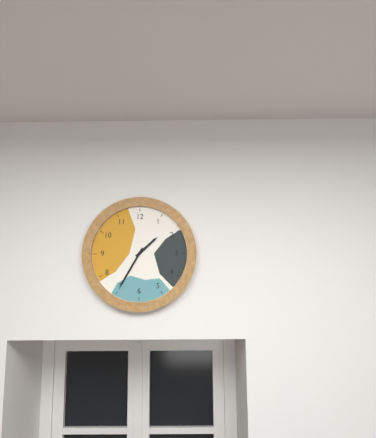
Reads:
1,35
